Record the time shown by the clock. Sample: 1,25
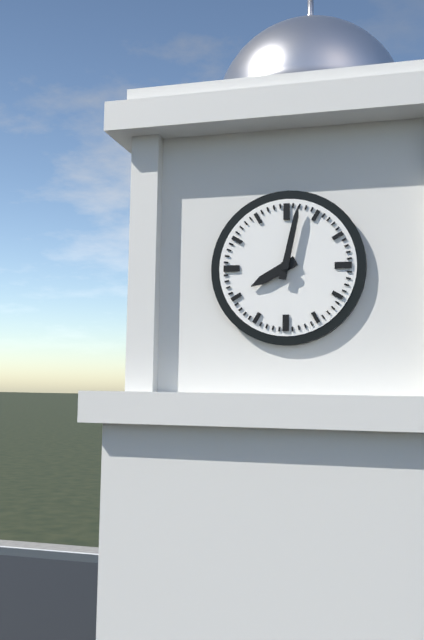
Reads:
8,02
